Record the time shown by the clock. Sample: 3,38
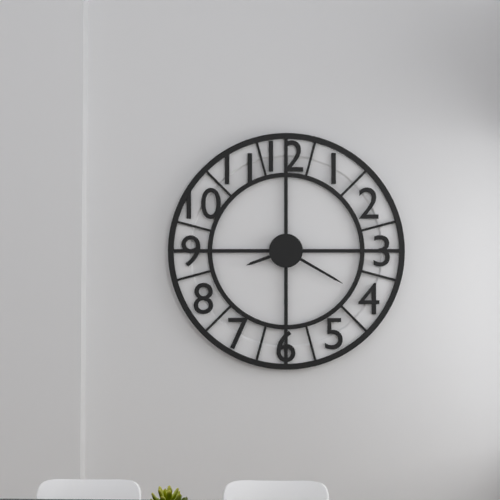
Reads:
8,20
